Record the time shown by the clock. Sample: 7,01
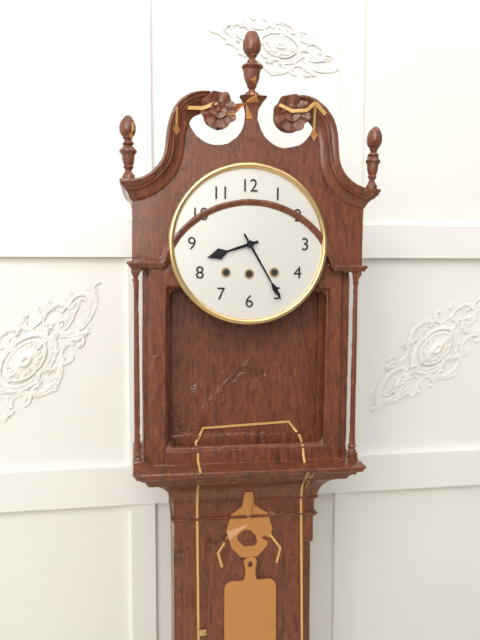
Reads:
8,25
